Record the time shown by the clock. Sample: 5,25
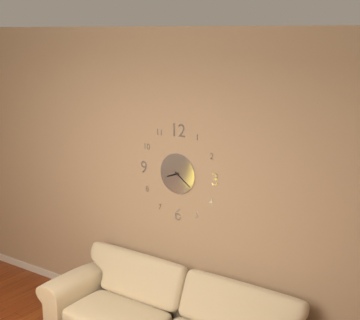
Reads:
8,21
